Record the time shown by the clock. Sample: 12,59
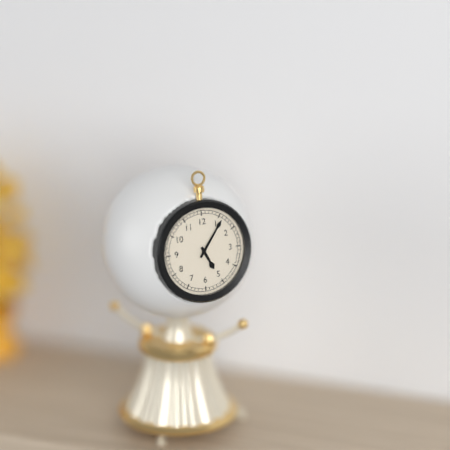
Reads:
5,06
